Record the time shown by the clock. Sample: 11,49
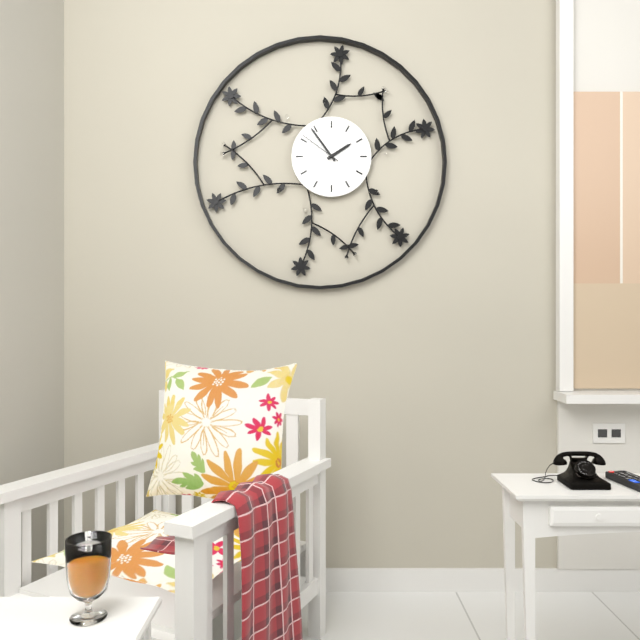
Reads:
1,54
